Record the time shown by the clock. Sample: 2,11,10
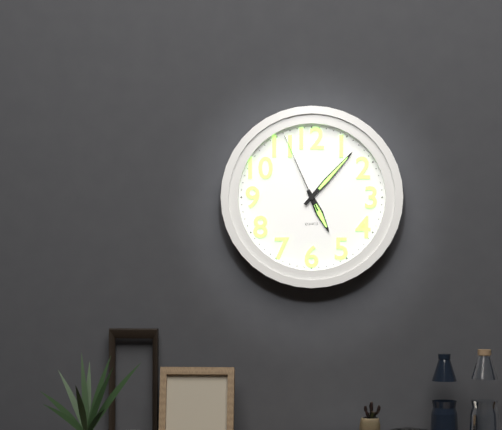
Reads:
5,07,56
